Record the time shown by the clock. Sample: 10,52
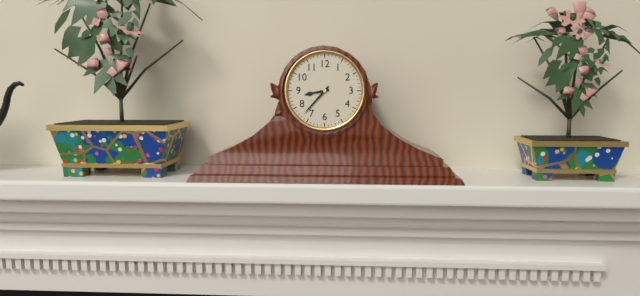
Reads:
8,37
